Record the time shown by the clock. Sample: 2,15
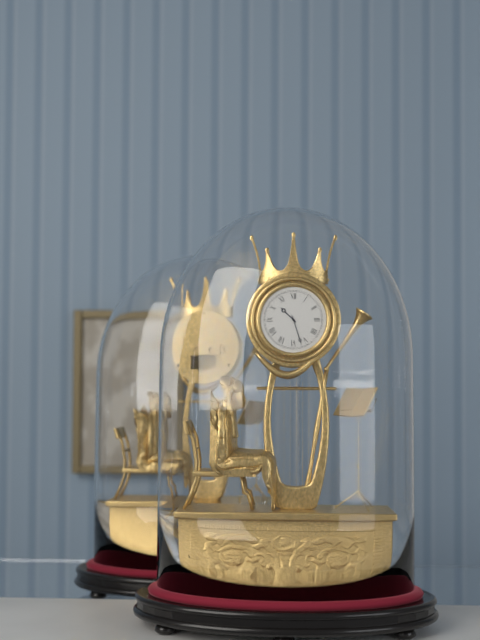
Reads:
10,27
